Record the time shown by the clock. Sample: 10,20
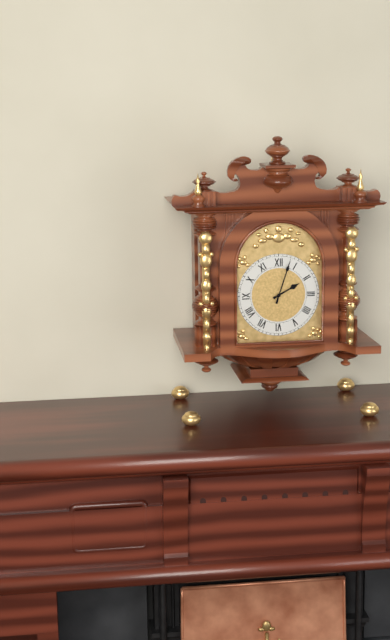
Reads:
2,03
